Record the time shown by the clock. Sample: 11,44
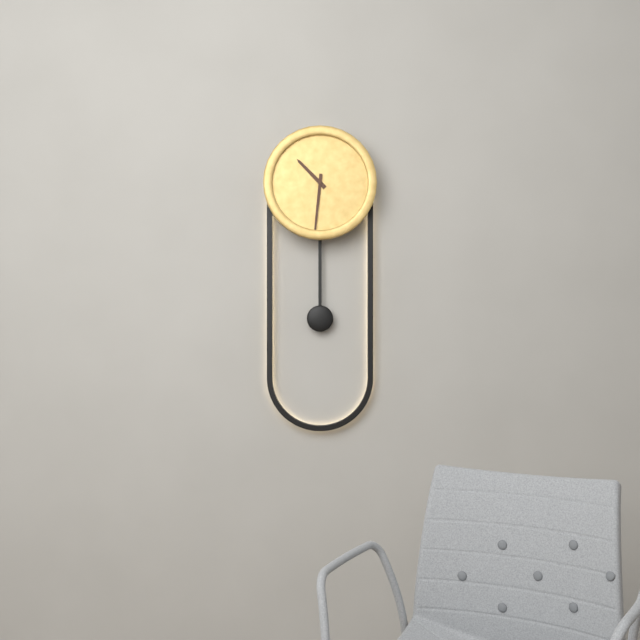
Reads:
10,31
